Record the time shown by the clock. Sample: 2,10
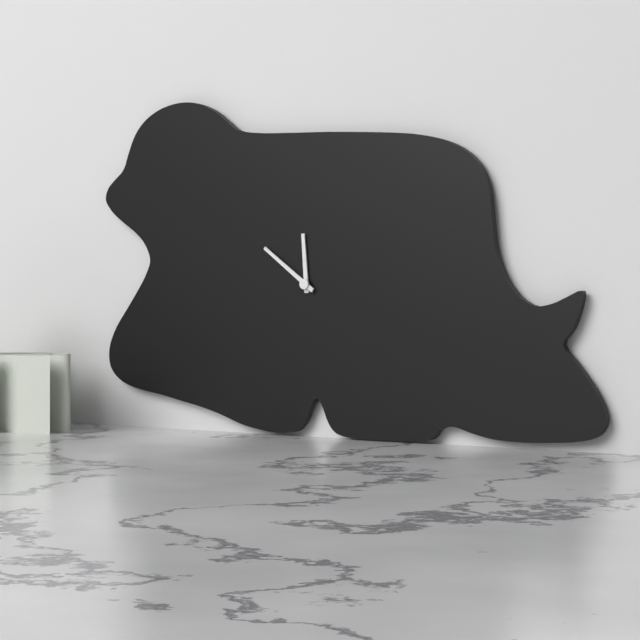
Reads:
11,51
